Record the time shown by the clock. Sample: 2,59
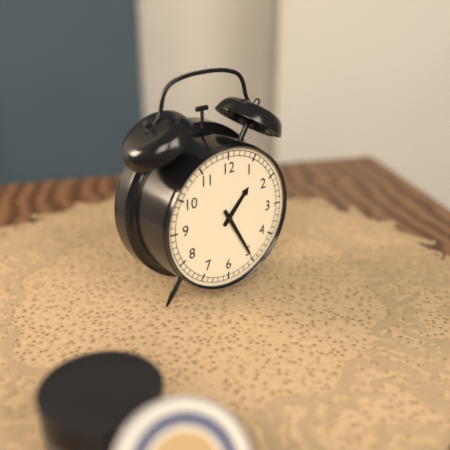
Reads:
1,25
